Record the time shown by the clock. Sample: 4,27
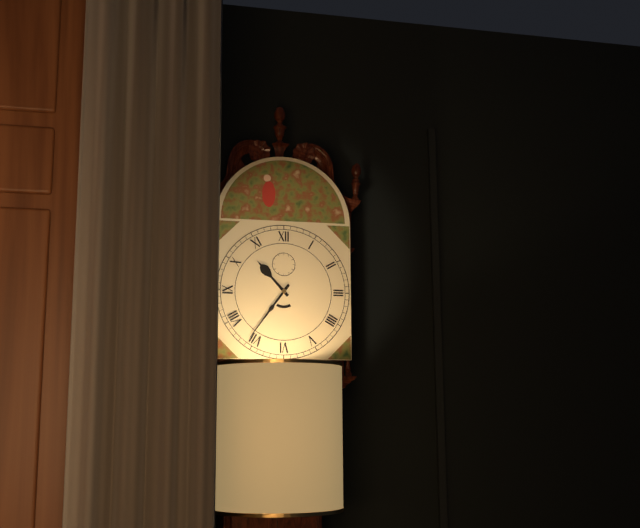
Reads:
10,36
